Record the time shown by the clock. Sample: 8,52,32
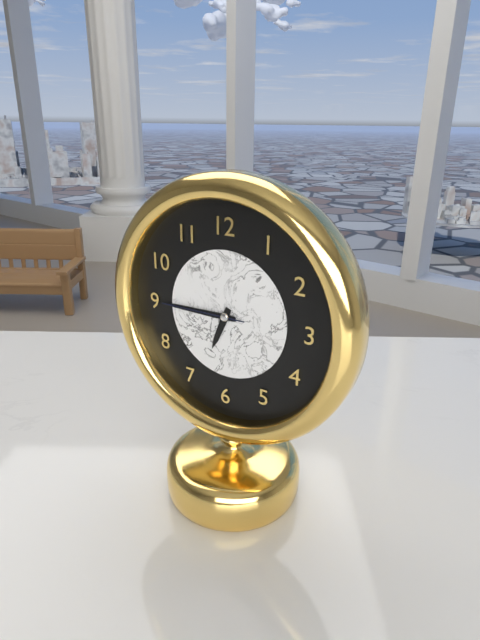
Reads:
6,45,45
